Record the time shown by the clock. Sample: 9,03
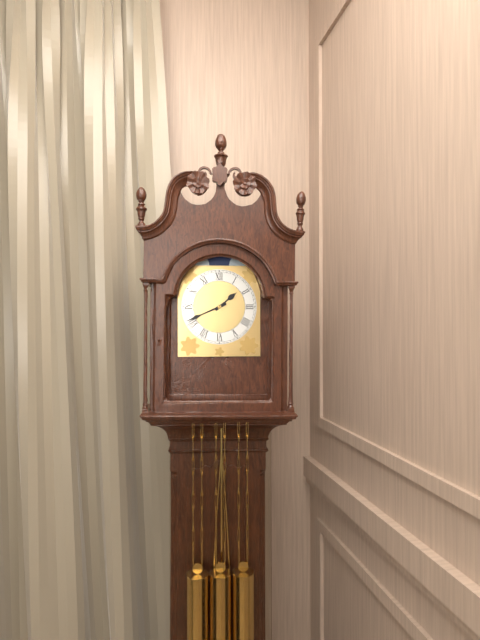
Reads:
1,41
